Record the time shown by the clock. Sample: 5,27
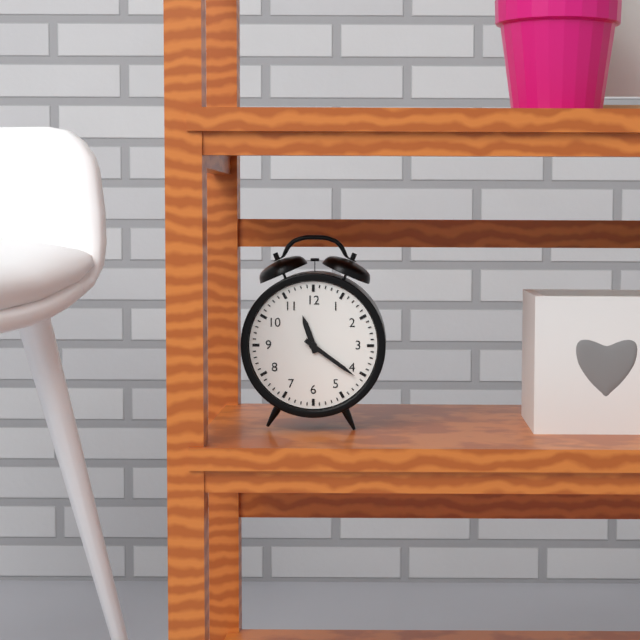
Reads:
11,21
